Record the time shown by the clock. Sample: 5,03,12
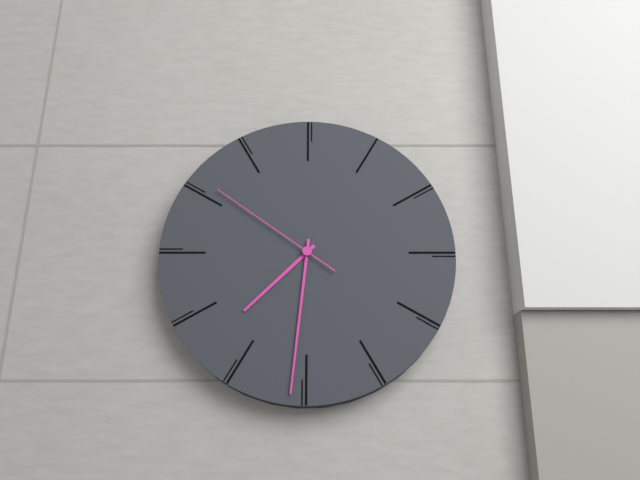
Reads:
7,31,51
